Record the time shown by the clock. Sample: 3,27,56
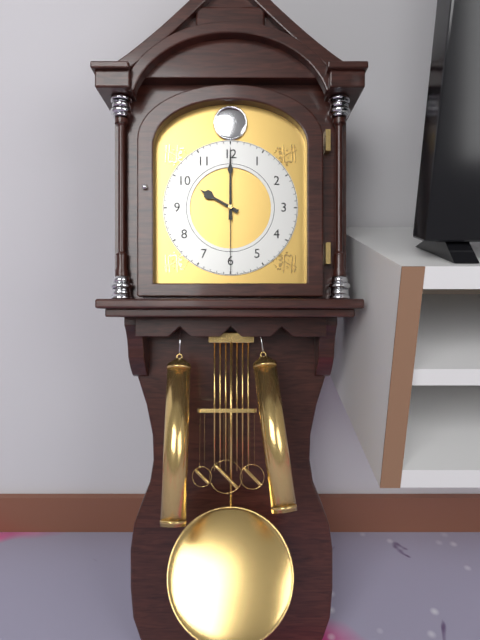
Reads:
10,00,30
